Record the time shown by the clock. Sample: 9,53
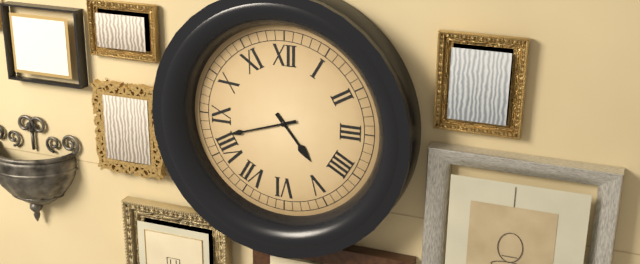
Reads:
4,42
